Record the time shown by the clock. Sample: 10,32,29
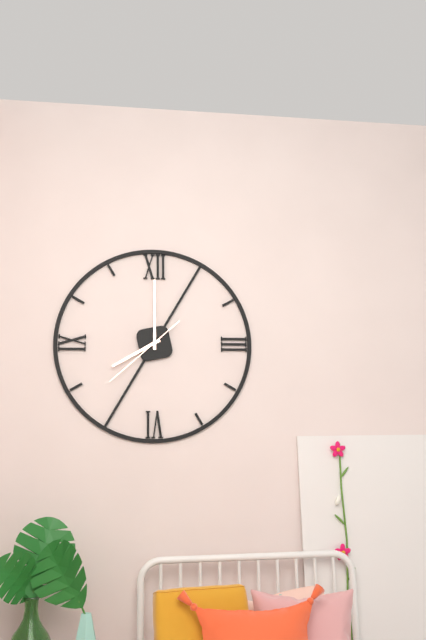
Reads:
8,00,38
